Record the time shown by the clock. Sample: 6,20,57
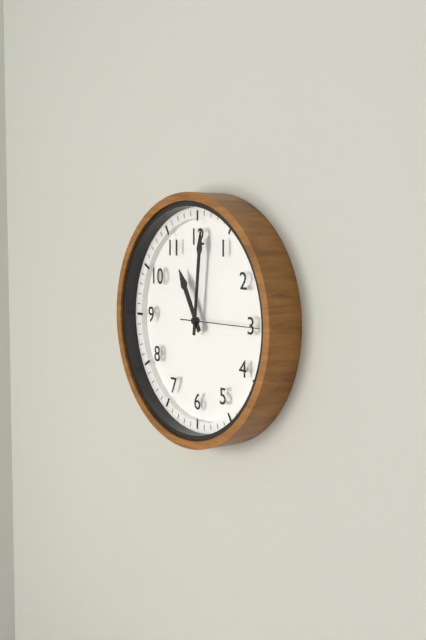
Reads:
11,01,15
